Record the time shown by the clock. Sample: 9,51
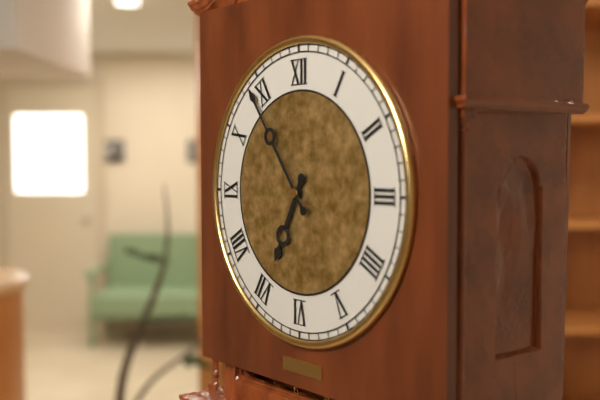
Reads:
6,54
